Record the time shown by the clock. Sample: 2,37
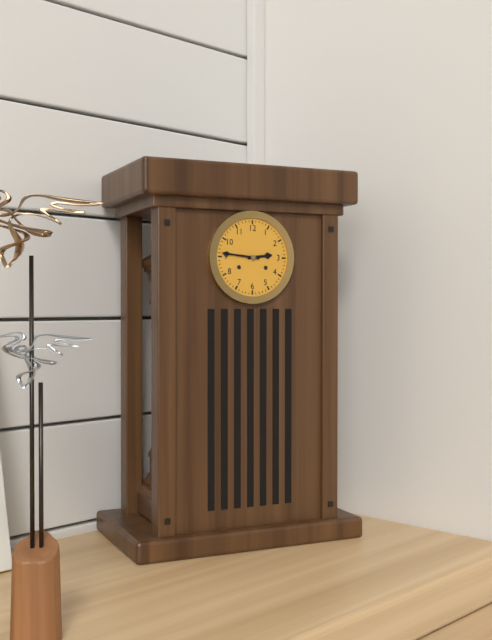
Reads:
2,46
